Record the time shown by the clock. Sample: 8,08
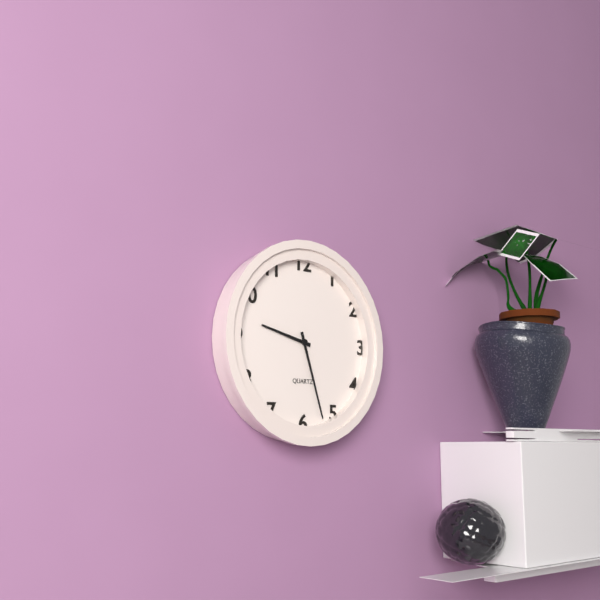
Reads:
9,27
